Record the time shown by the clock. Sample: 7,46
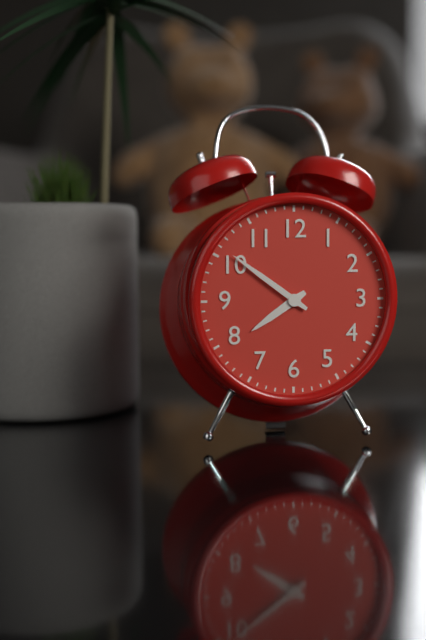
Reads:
7,51
